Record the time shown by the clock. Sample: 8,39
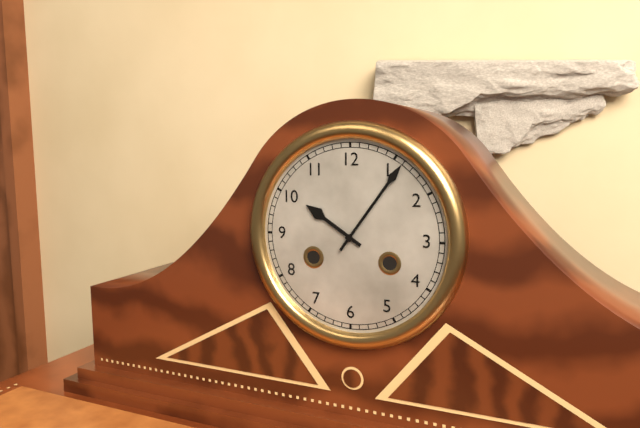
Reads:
10,06
